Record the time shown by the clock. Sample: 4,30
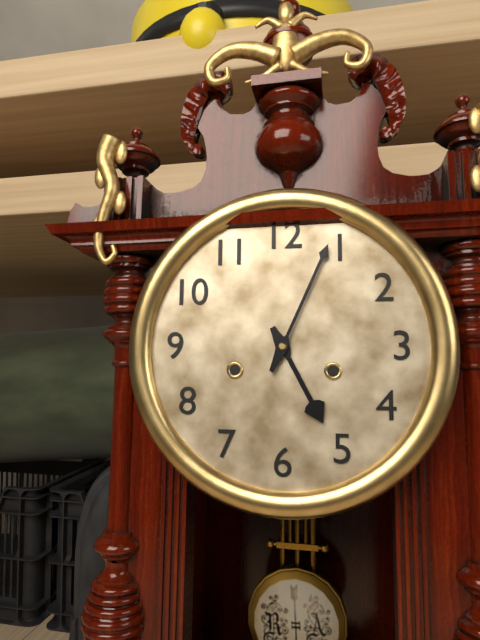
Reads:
5,04
